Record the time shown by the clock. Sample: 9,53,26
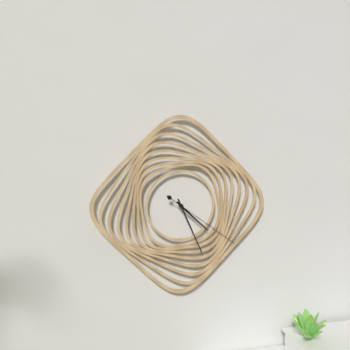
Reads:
4,26,21
